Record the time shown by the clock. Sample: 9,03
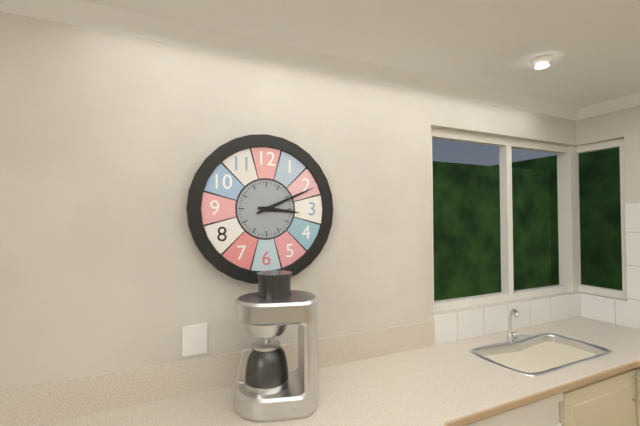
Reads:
3,11
